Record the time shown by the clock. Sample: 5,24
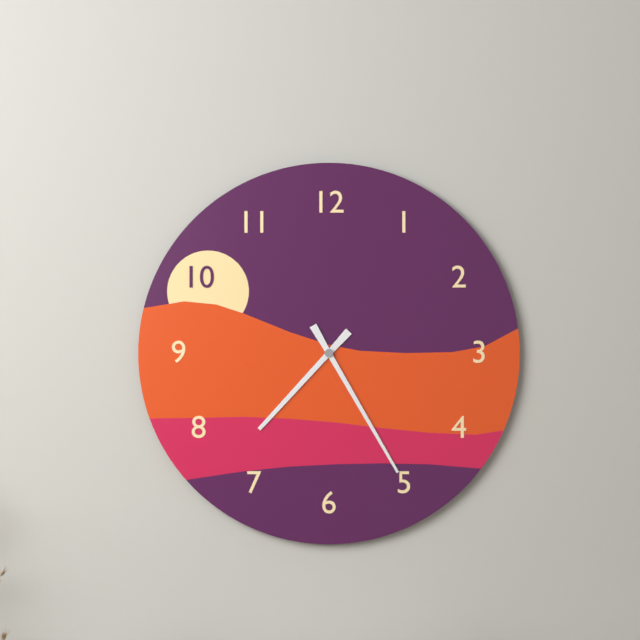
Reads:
7,25
